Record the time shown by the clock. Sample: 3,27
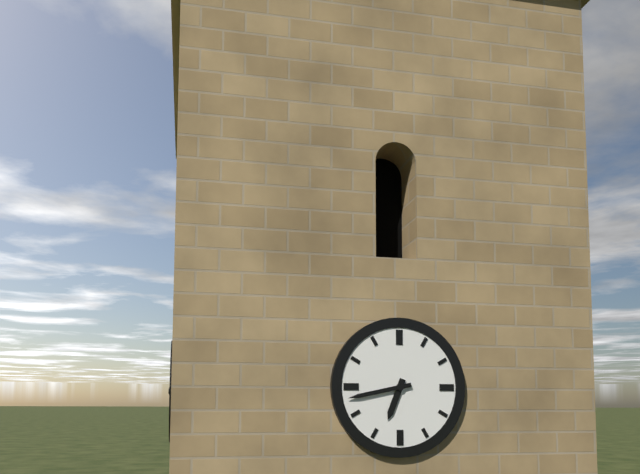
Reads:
6,43
